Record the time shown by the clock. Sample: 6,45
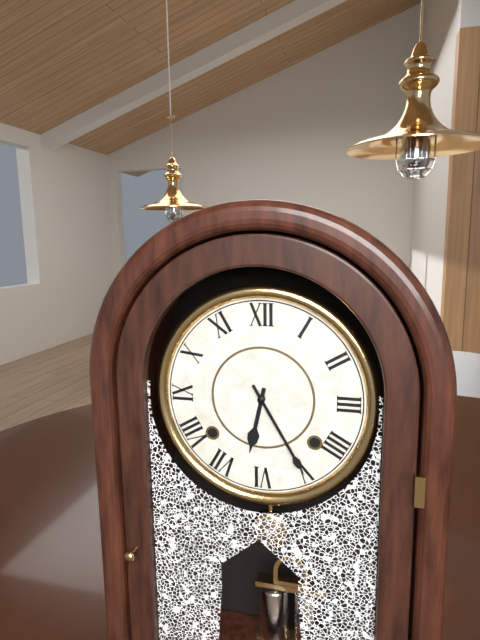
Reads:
6,25
